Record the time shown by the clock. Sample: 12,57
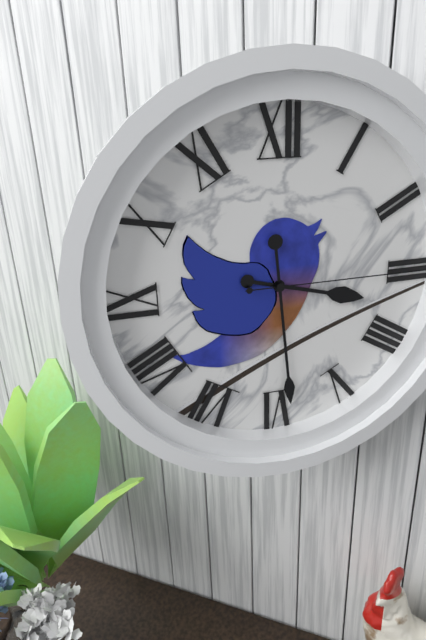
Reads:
3,29
